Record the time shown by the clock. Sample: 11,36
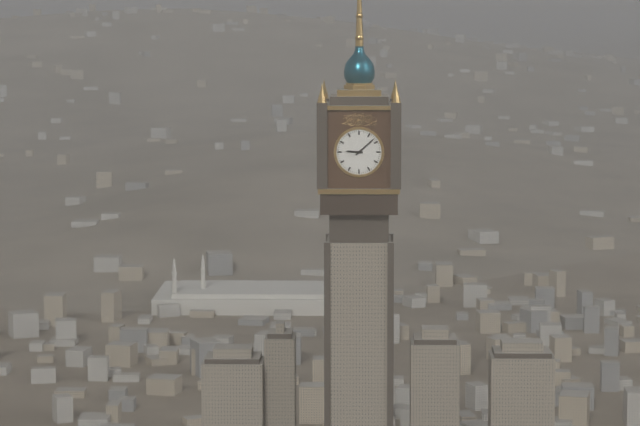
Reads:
9,08
